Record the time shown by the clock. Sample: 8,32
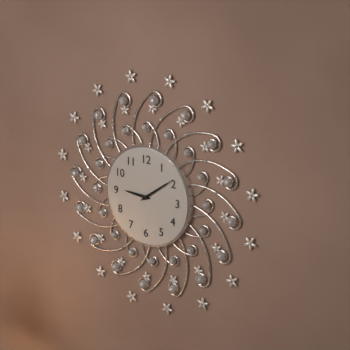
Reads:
9,09
